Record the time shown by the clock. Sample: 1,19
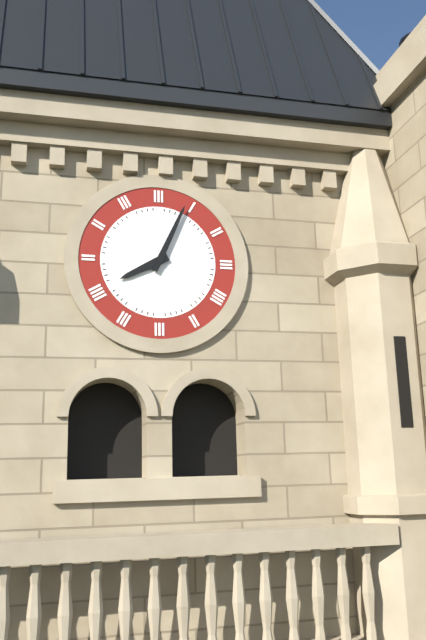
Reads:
8,04
